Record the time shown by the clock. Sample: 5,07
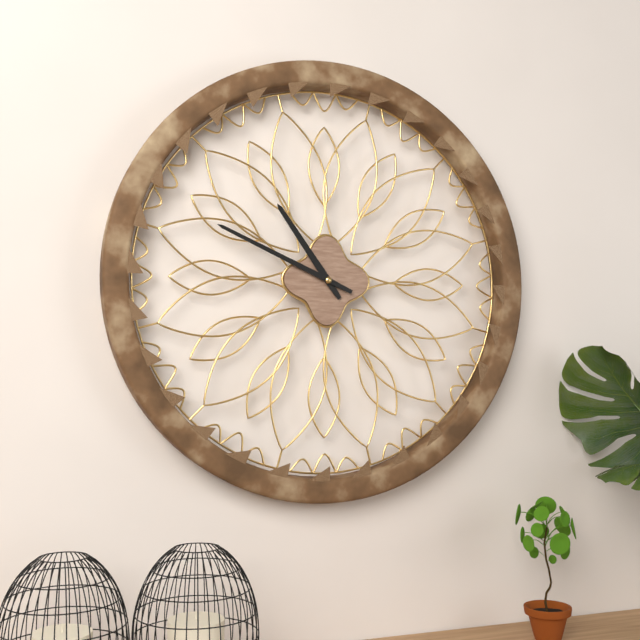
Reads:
10,49
